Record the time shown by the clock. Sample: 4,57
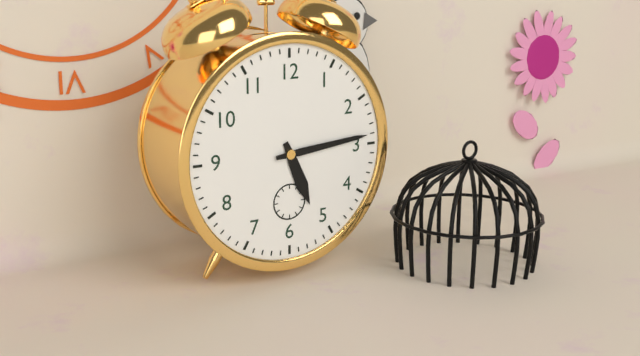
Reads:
5,14
